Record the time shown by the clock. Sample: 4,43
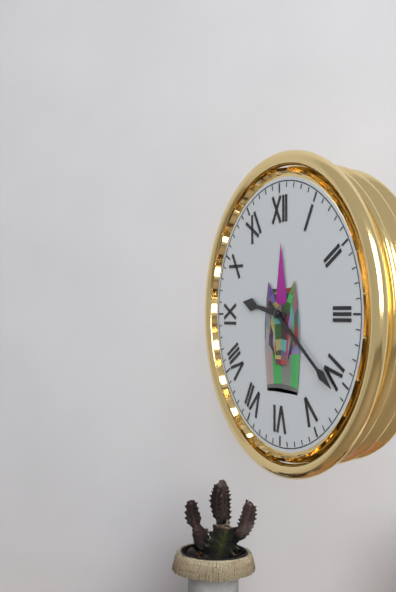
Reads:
9,21
